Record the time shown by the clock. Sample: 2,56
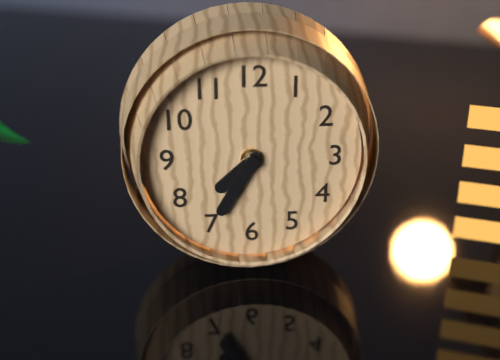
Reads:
7,35
